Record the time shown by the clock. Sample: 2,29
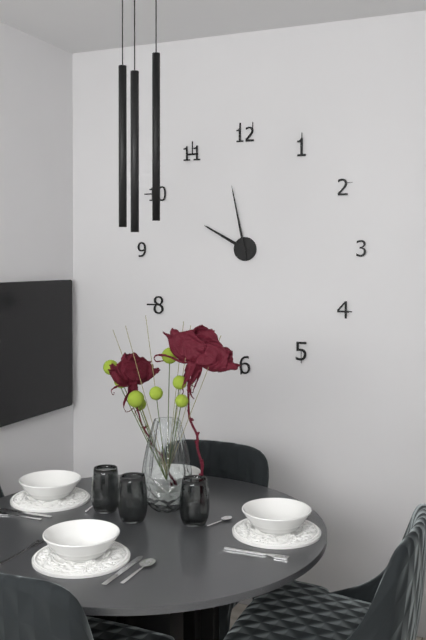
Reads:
9,58
